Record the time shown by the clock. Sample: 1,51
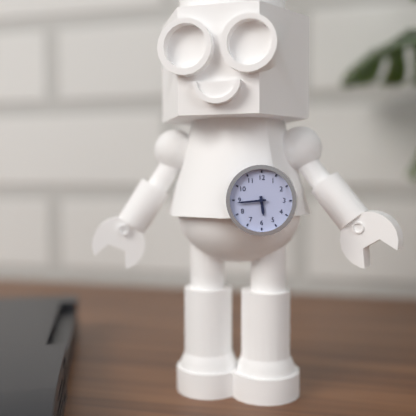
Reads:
5,44
